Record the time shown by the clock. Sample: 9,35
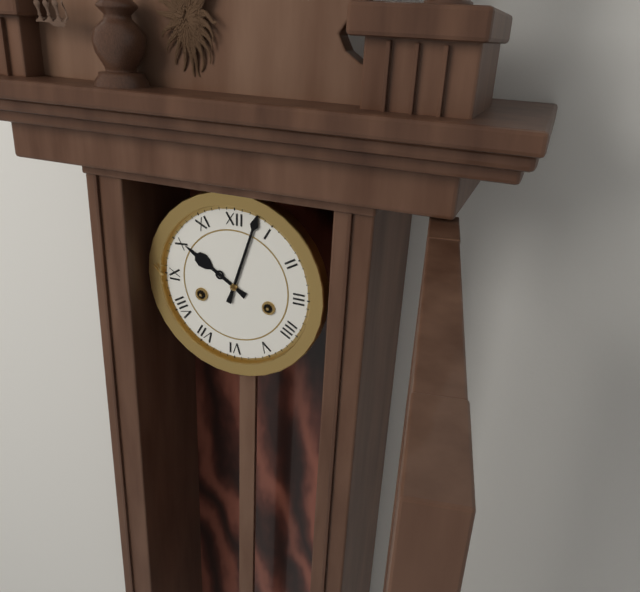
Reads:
10,03
